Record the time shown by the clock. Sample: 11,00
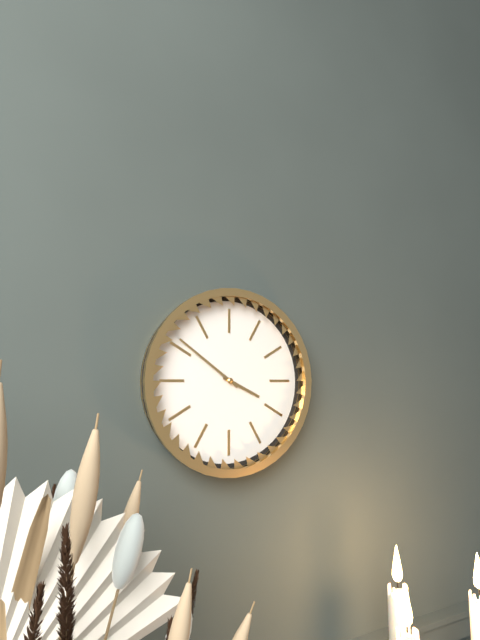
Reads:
3,51
